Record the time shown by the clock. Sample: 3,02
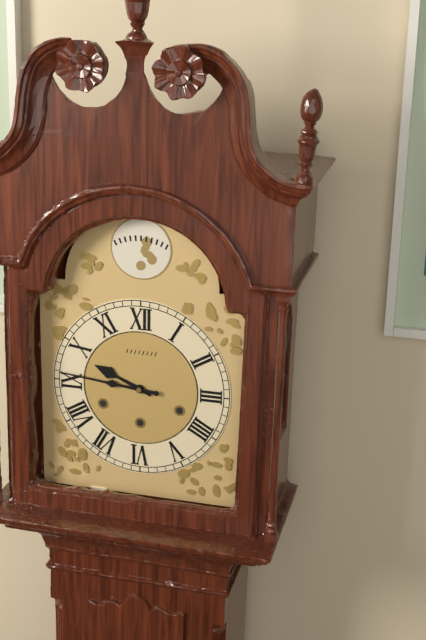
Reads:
9,46
